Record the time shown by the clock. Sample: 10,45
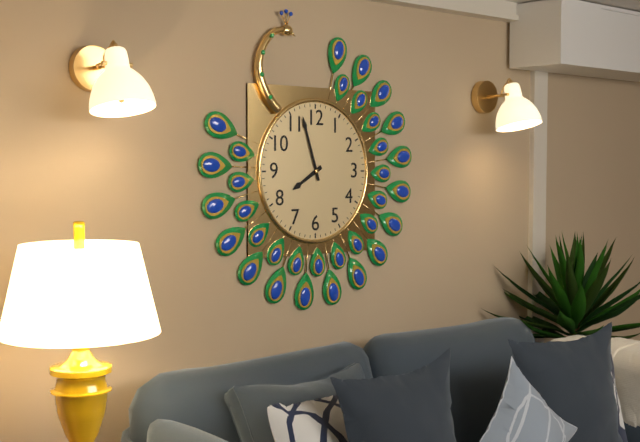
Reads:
7,57
